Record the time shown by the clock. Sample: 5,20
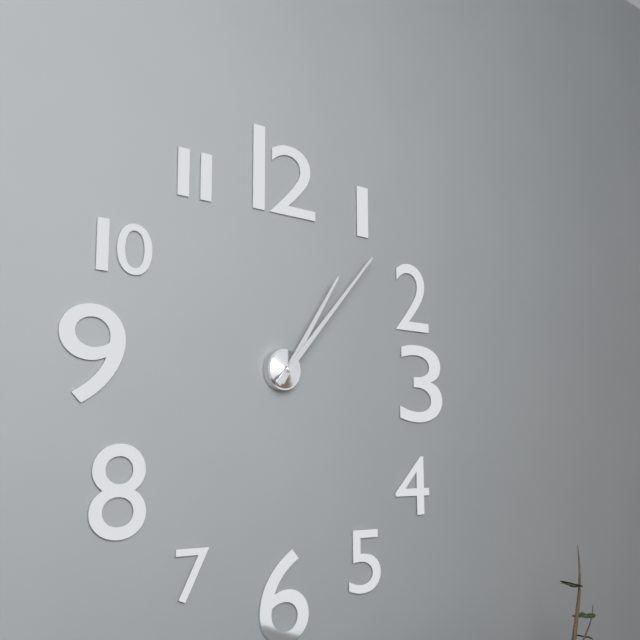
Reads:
1,07
